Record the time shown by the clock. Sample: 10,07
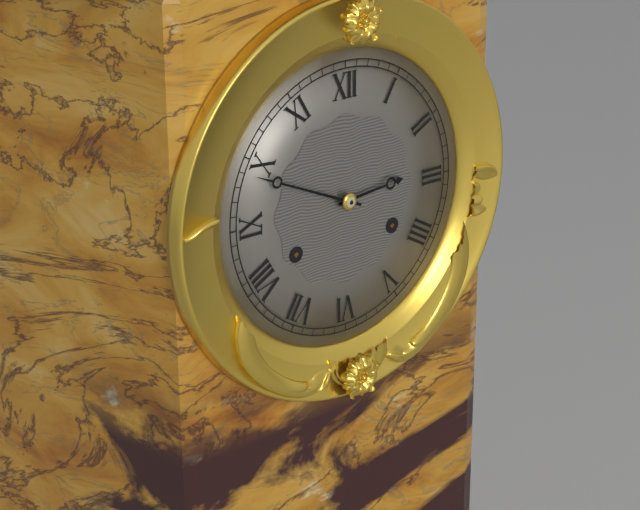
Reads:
2,49
